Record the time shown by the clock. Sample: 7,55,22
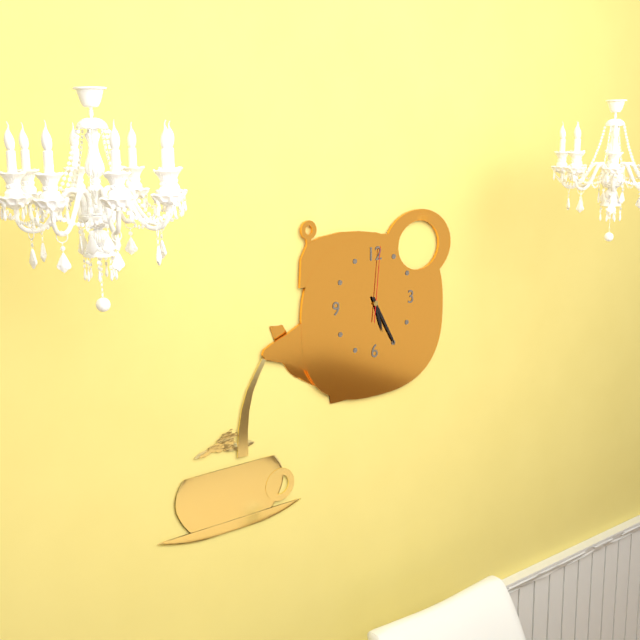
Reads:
5,25,01
